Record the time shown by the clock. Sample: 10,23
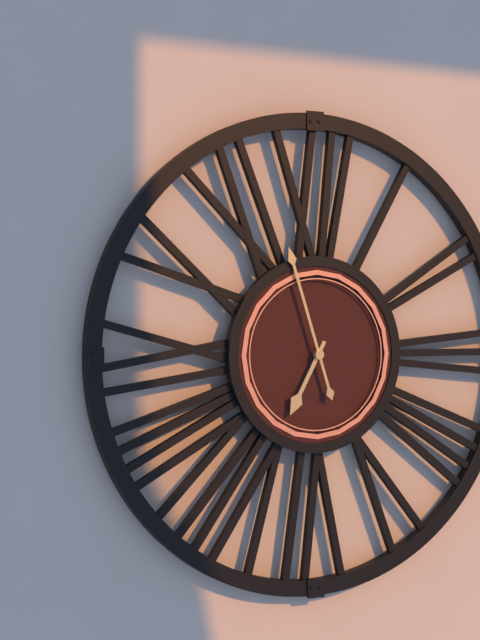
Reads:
6,57
